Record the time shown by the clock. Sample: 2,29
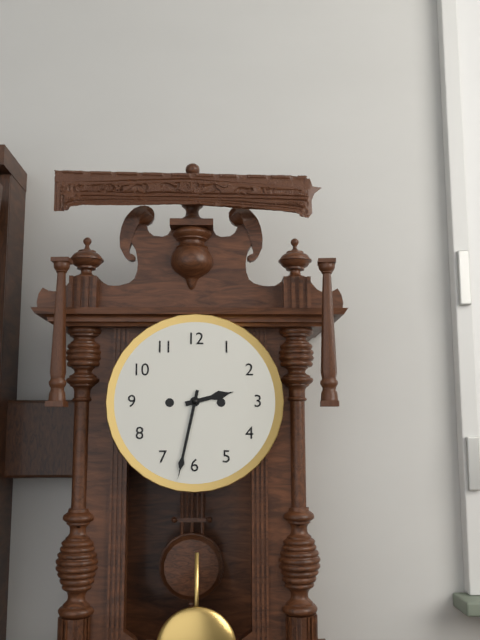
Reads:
2,32
